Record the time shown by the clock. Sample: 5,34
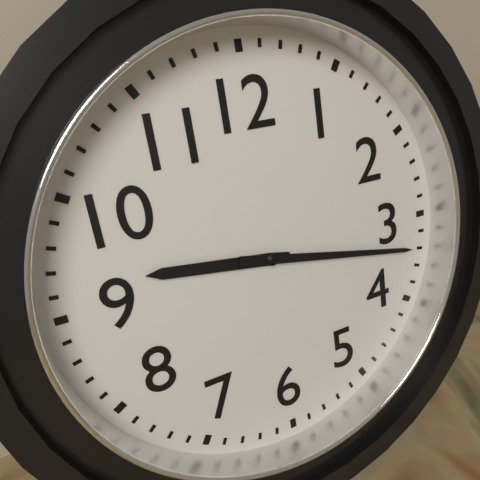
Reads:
9,17
